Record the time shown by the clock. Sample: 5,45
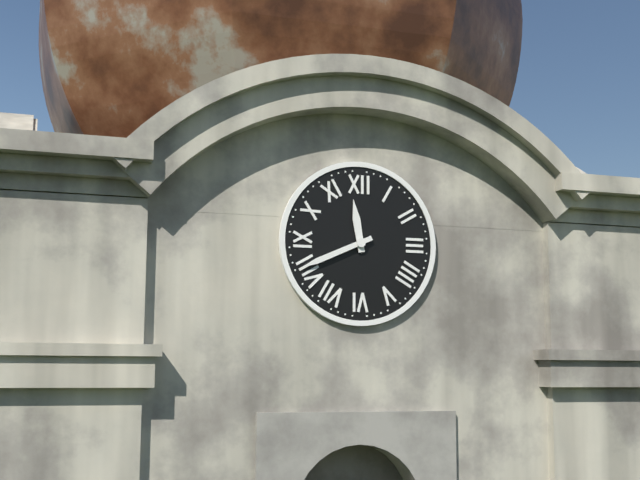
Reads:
11,41
